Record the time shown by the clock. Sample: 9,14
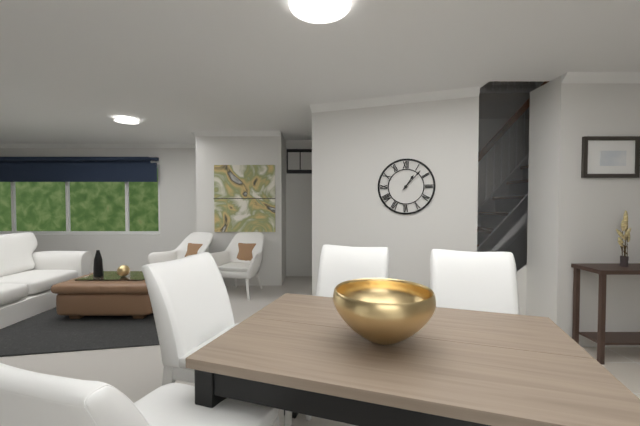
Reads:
1,07
